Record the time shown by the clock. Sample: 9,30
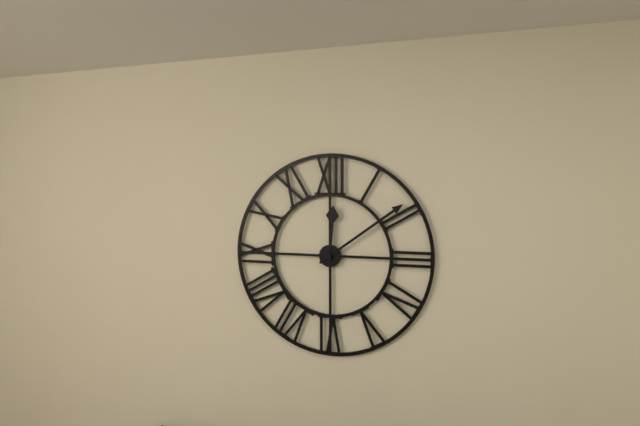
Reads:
12,09
